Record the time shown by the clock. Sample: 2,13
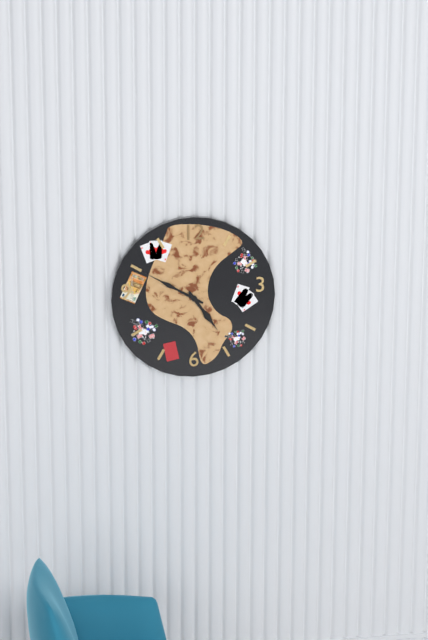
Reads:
4,50
